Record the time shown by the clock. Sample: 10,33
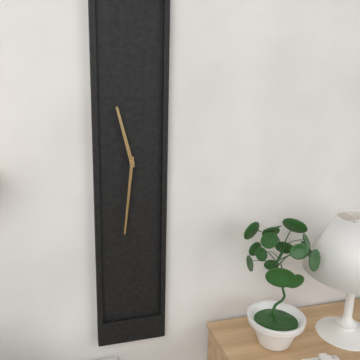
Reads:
11,31
